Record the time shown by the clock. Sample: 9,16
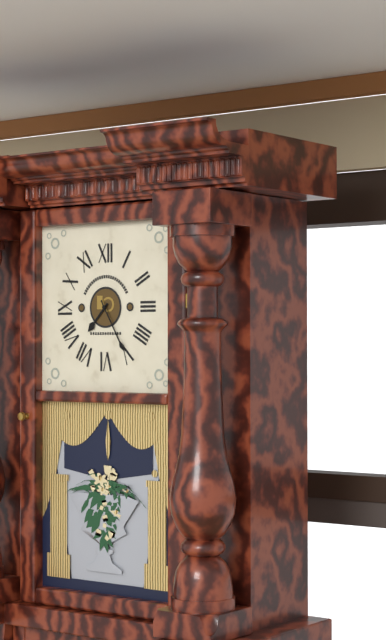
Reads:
7,25
